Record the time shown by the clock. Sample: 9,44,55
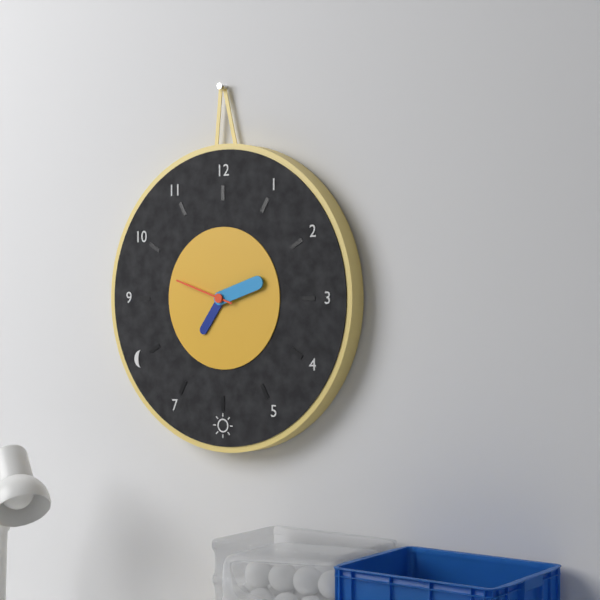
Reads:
7,12,48
